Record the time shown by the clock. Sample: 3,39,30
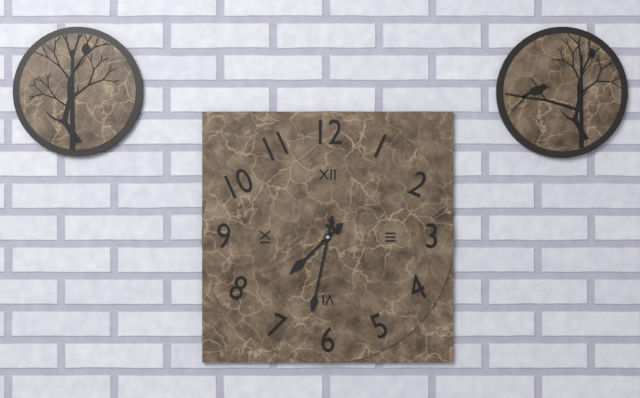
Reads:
7,32,40
